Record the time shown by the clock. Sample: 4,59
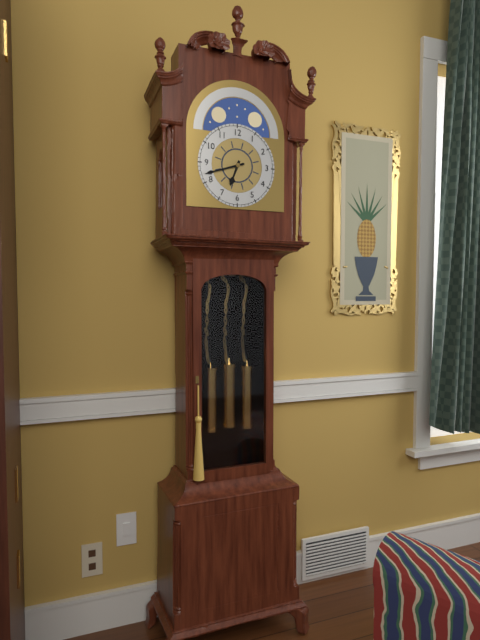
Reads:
6,42
